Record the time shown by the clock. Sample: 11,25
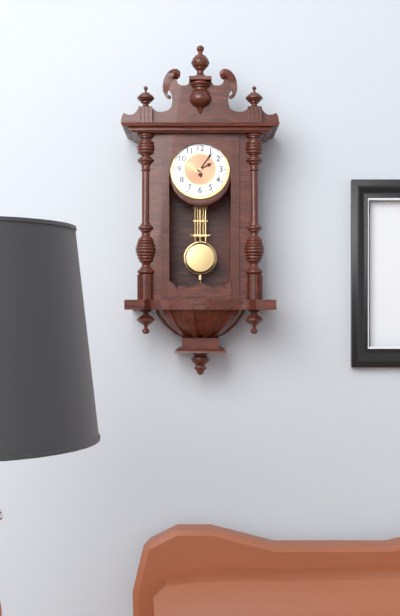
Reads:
2,06
